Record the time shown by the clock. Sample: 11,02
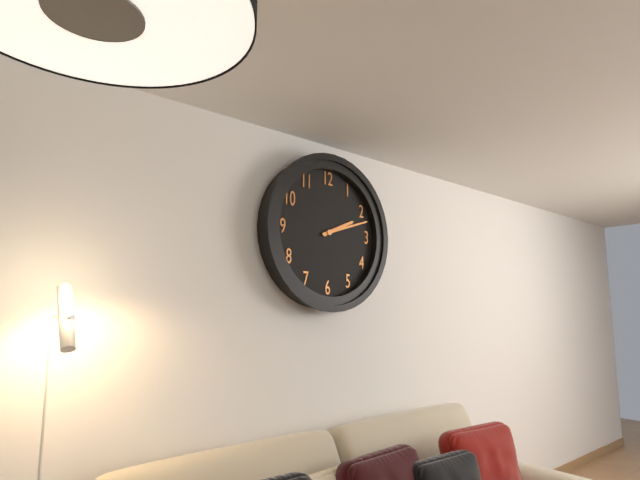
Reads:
2,12
